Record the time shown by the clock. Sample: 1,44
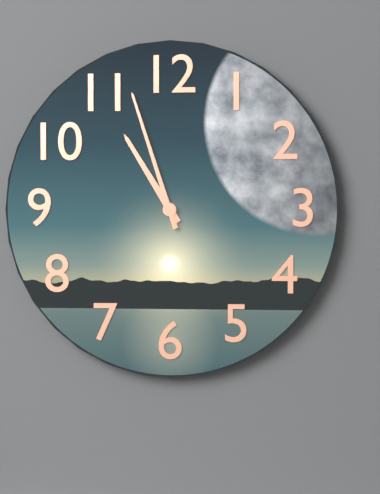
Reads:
10,57
